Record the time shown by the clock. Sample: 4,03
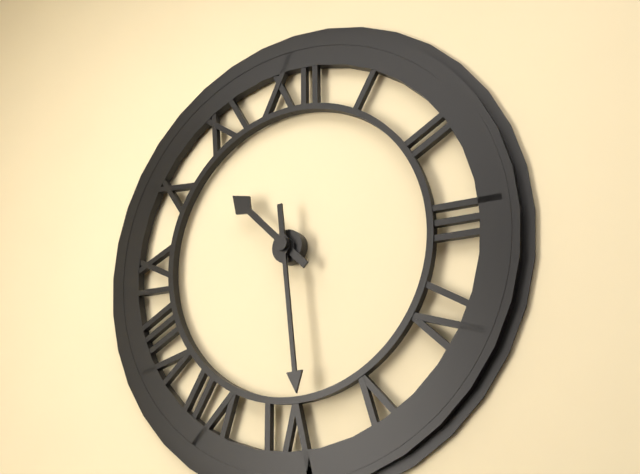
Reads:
10,29
